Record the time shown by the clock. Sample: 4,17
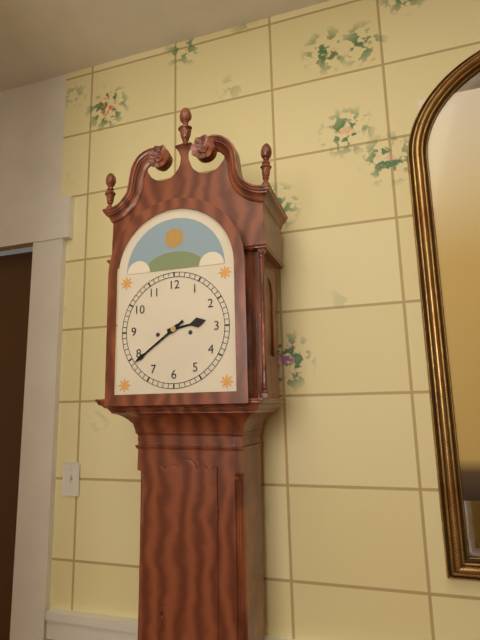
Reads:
2,39
